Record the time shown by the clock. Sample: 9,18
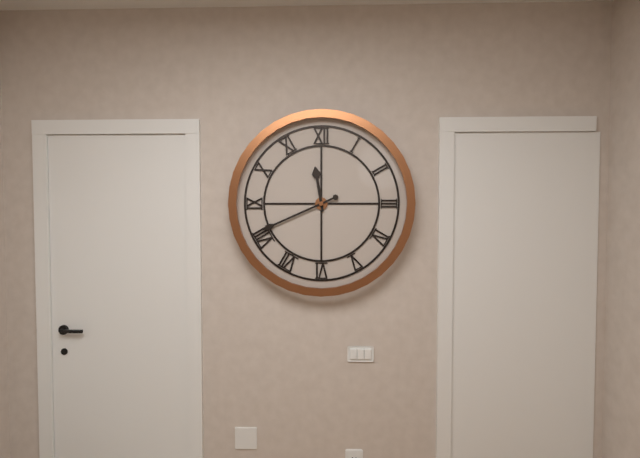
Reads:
11,41
